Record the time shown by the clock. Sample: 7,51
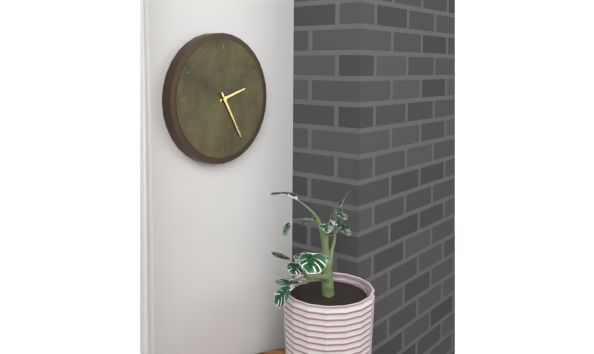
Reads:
2,25
